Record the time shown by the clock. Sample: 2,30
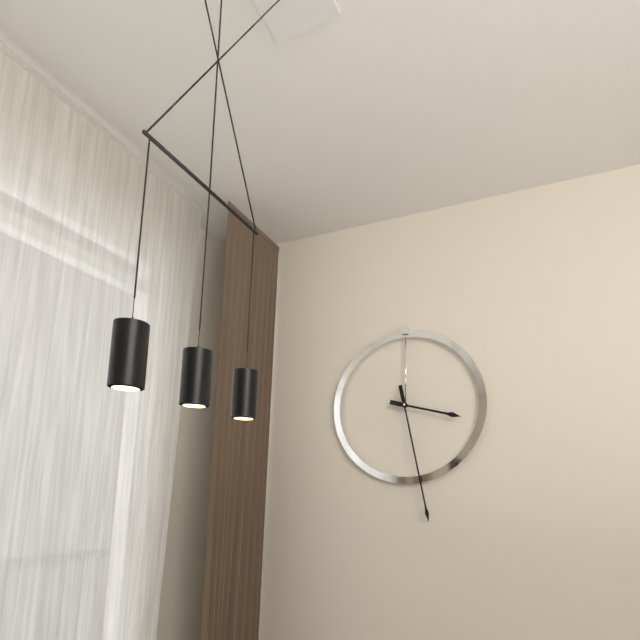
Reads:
3,28
